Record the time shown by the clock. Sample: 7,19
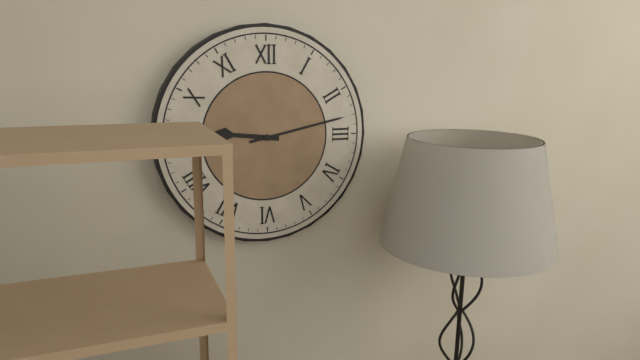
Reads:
9,13
